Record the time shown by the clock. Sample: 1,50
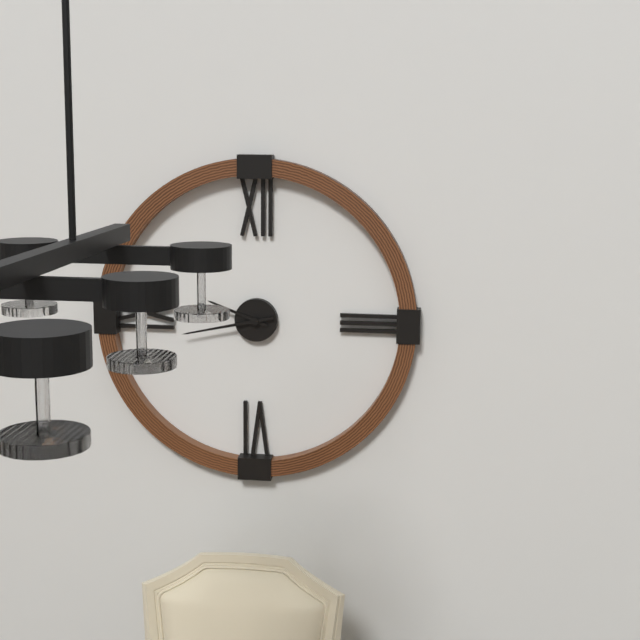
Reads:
9,43
